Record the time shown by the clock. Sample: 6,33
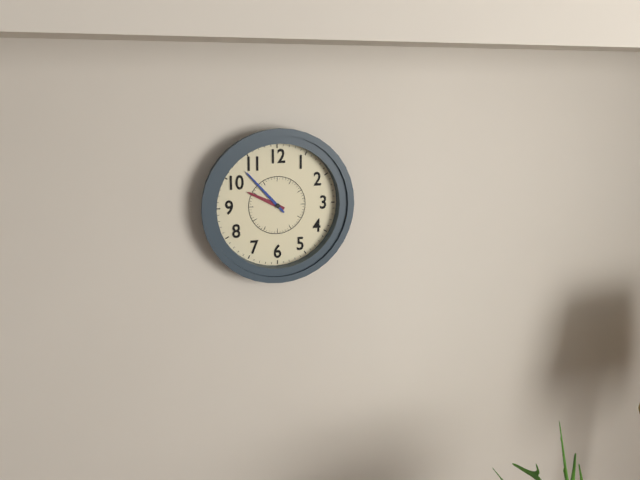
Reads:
9,53
